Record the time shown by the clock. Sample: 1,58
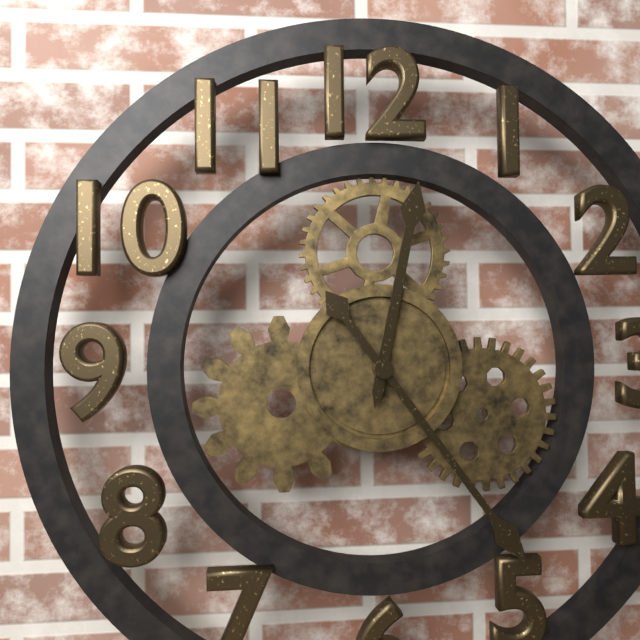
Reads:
12,24
